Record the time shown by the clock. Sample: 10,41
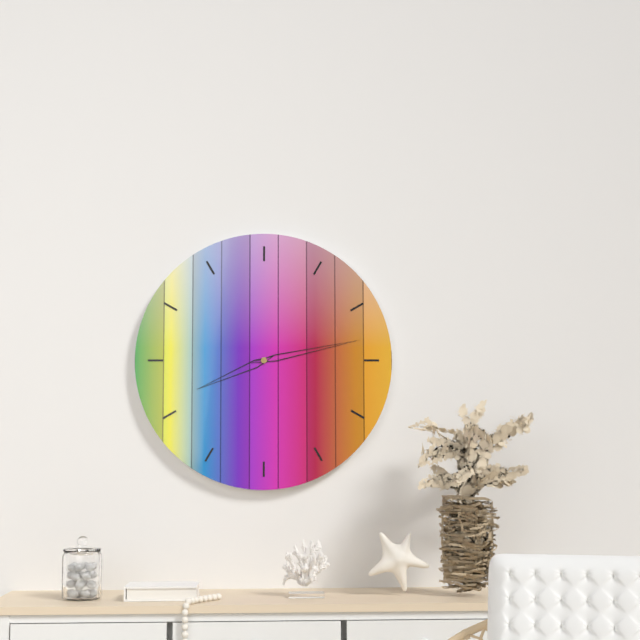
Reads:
8,13
